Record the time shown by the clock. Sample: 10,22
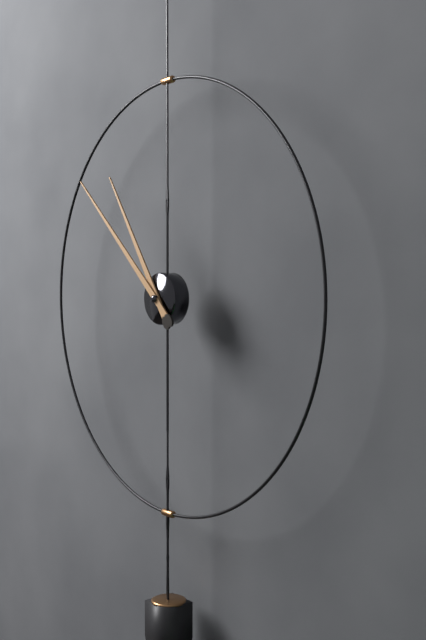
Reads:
10,52
